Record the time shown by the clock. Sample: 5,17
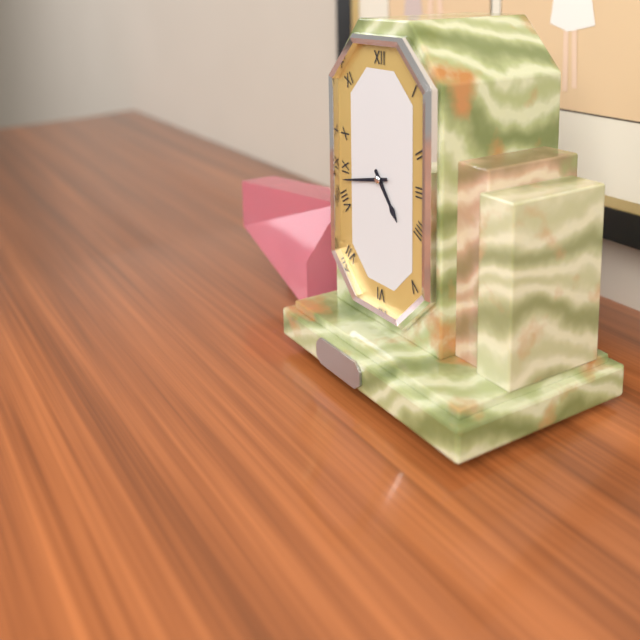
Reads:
4,43
